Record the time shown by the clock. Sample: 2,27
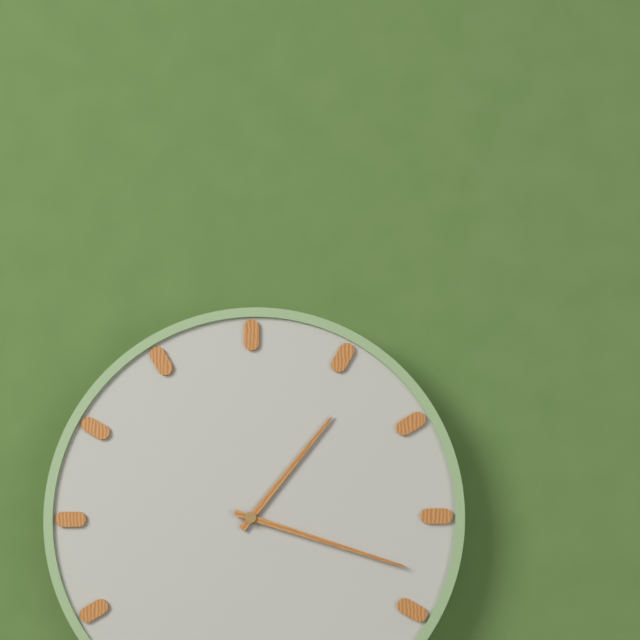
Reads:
1,18
